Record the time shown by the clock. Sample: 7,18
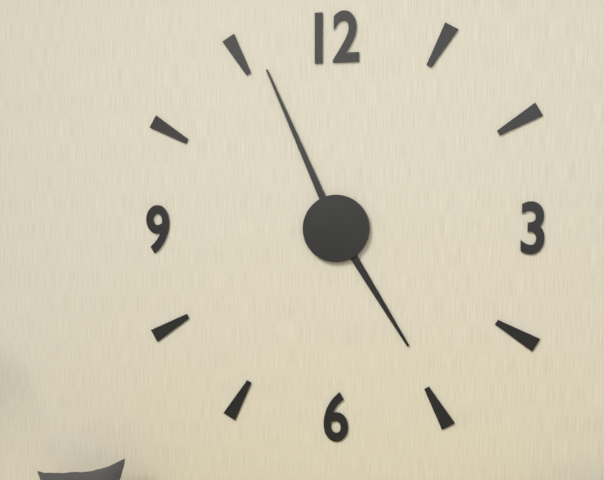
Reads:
4,56
